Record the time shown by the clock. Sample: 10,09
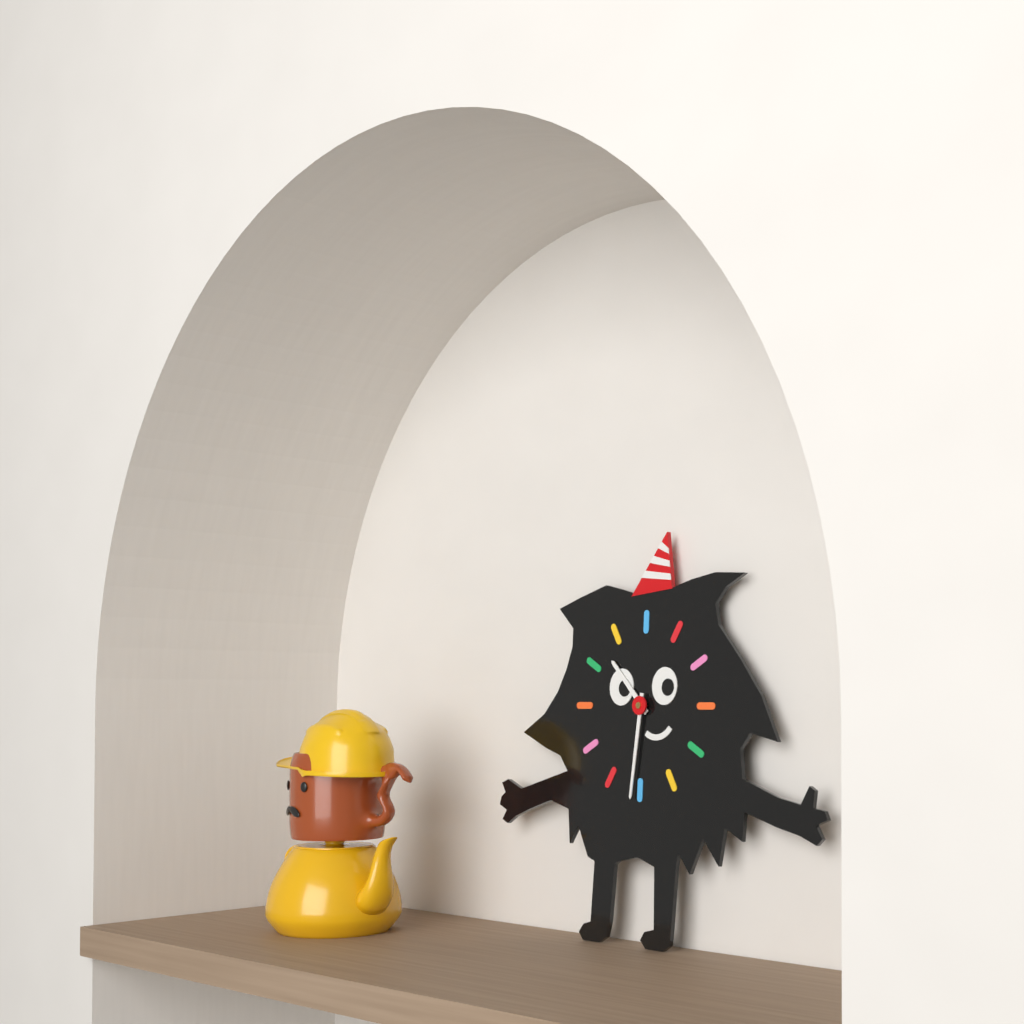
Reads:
10,31
